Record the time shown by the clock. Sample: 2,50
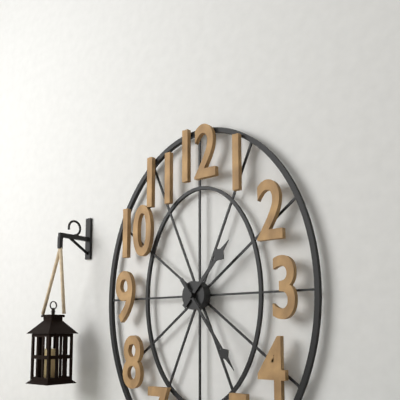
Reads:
1,24
